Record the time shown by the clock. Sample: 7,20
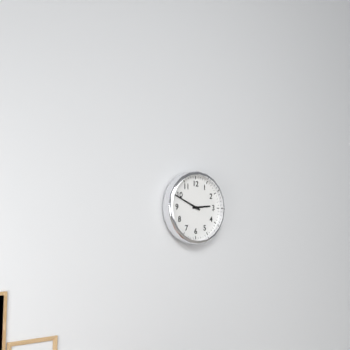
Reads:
2,49
